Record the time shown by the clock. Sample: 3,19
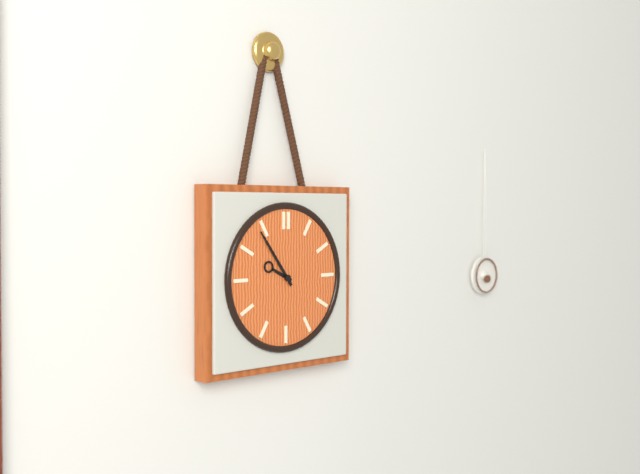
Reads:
9,54
